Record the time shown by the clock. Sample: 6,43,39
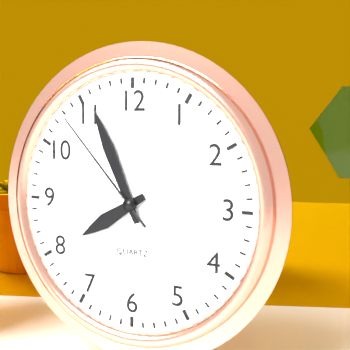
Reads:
7,56,53
